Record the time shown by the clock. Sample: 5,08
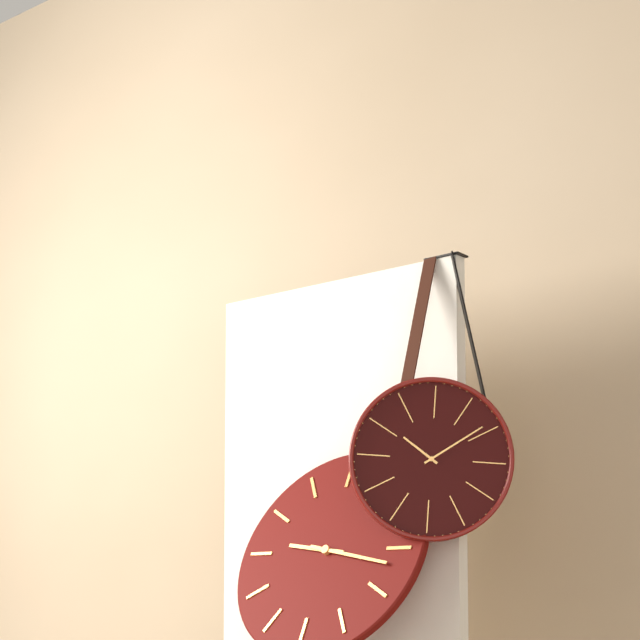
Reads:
9,17
